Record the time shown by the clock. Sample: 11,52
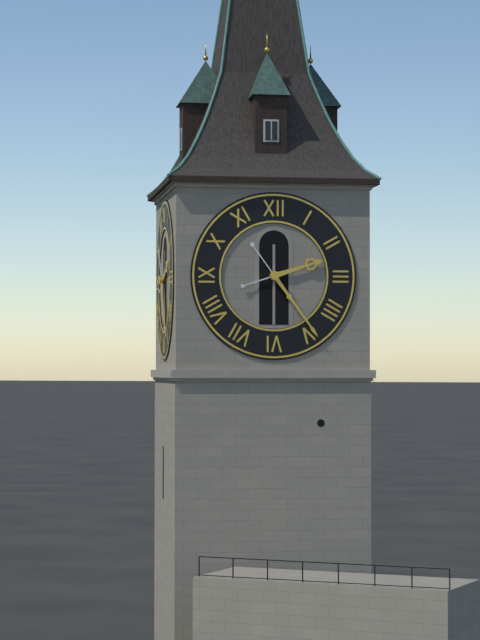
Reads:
2,24
